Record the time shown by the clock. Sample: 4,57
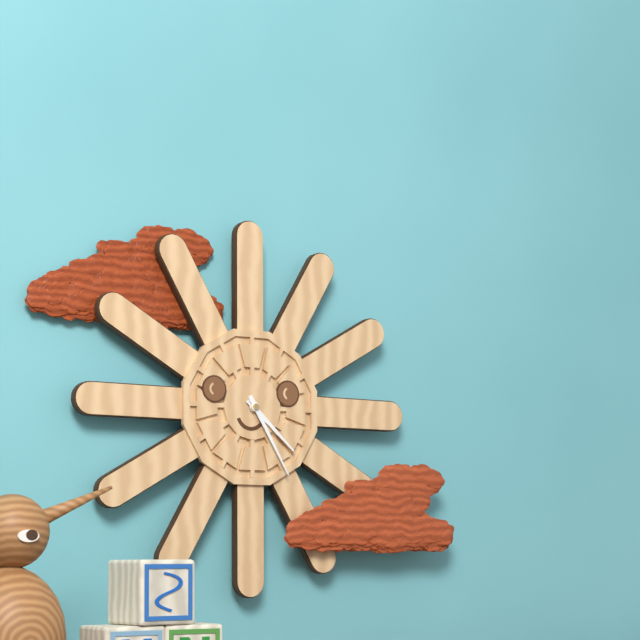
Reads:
4,25
